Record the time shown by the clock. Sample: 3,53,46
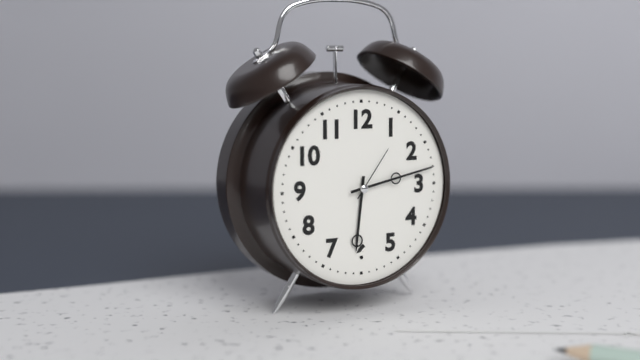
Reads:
6,13,06
